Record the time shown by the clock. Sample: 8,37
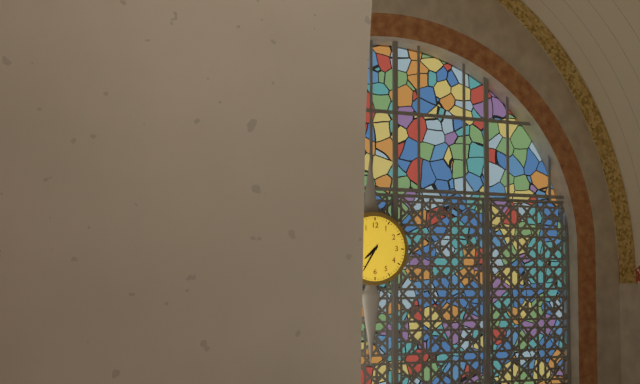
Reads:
7,35
